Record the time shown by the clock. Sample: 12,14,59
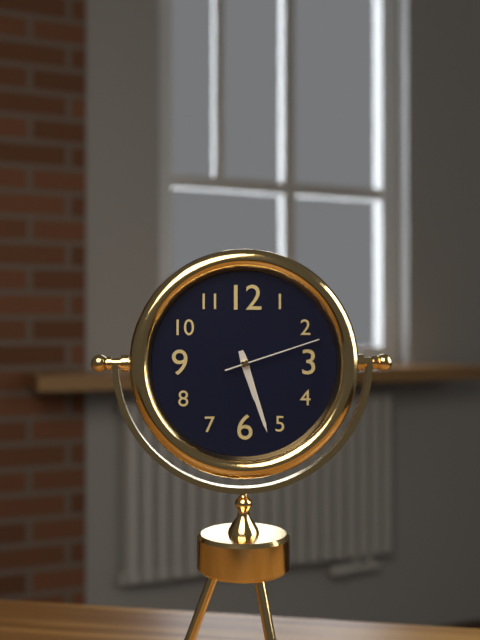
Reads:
5,27,12
